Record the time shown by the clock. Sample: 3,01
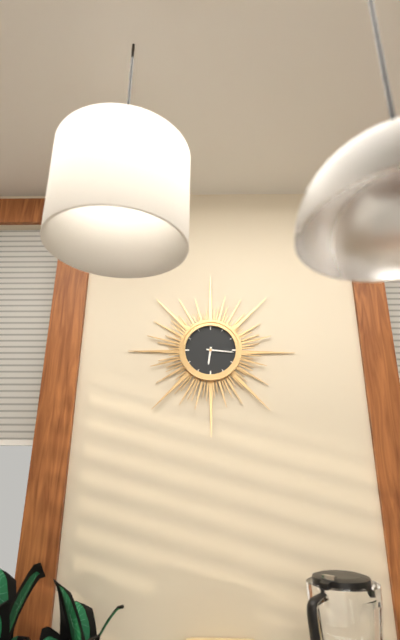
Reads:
6,16
